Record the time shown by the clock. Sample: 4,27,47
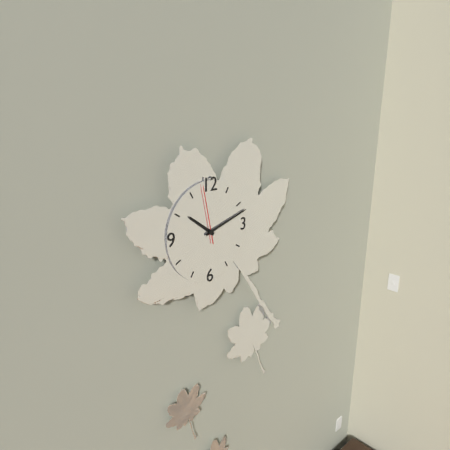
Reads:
10,12,58
